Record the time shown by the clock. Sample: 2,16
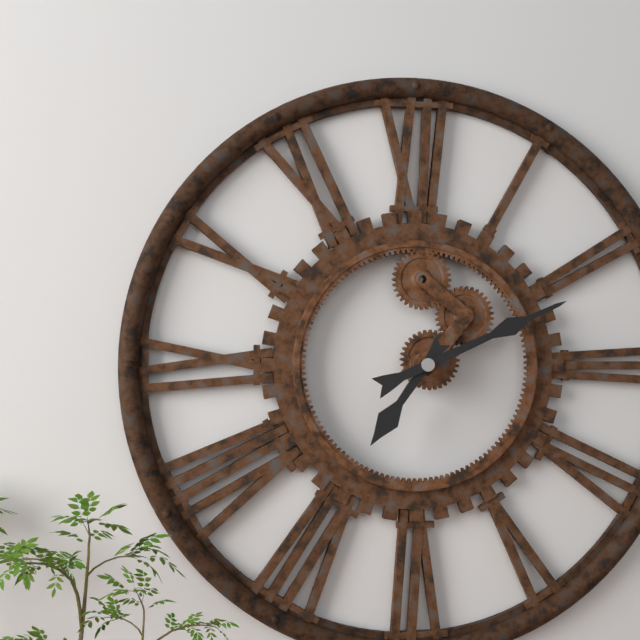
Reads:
7,11
